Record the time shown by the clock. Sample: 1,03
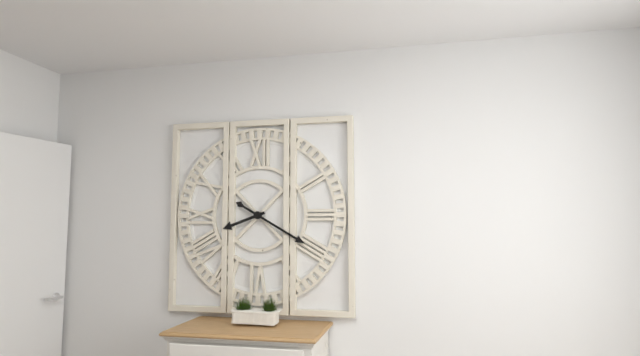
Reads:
8,20
